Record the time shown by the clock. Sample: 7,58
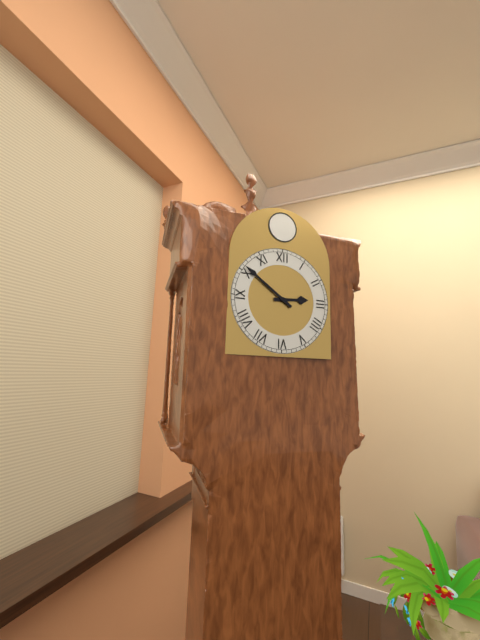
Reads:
2,51
